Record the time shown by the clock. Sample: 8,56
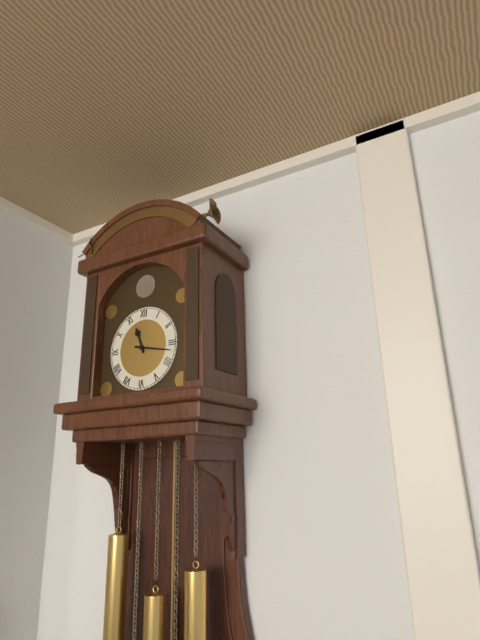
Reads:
11,17
